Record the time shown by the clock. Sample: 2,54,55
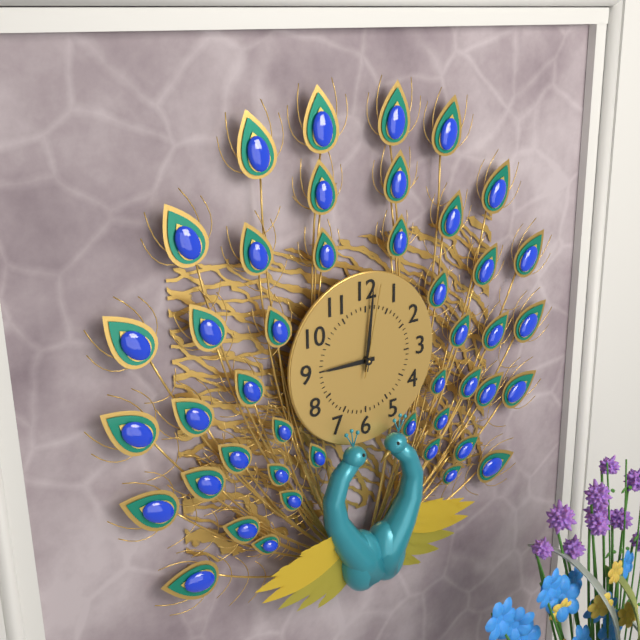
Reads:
9,01,02
